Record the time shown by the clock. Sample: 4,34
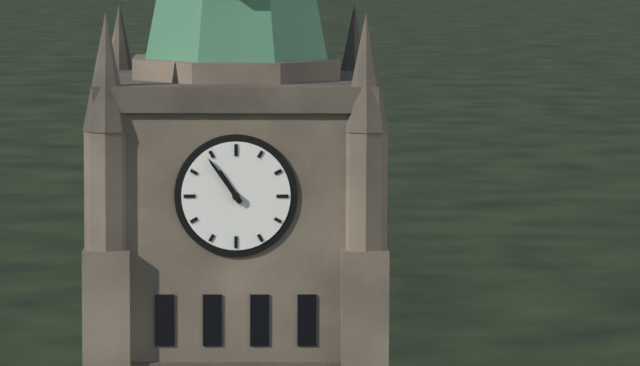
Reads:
10,54
